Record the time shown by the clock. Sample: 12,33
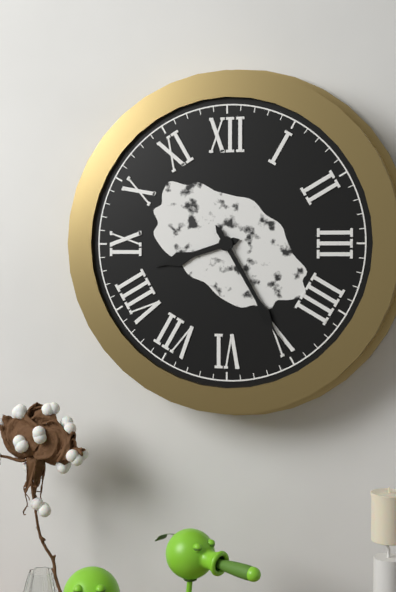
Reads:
8,25
